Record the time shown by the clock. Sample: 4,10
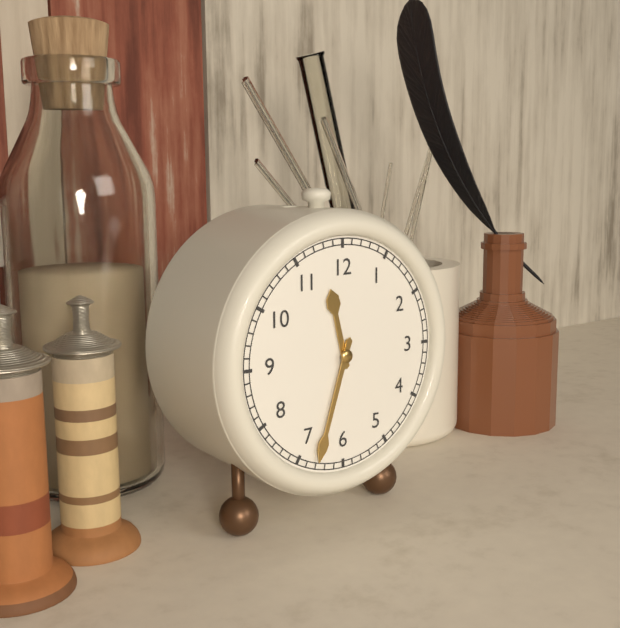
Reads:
11,33
